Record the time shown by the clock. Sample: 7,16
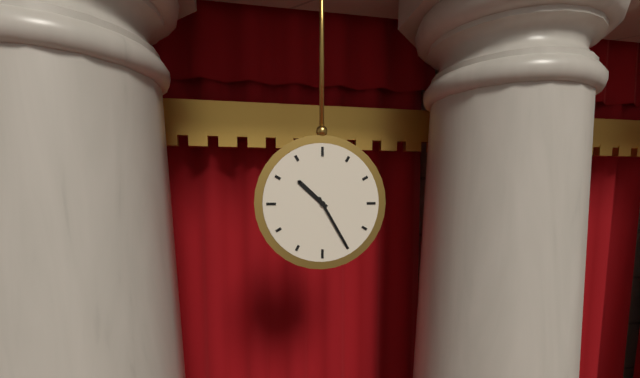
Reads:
10,25
